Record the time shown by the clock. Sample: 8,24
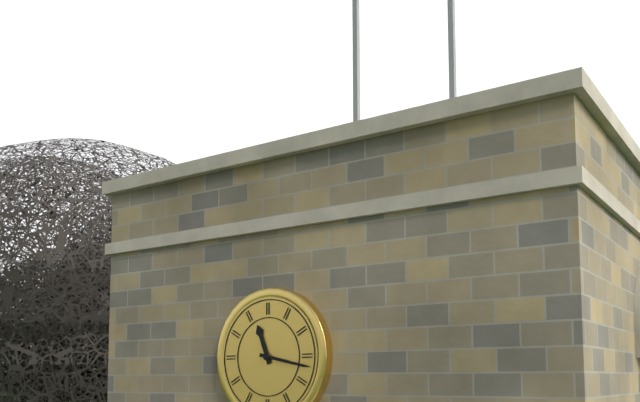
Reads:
11,17
